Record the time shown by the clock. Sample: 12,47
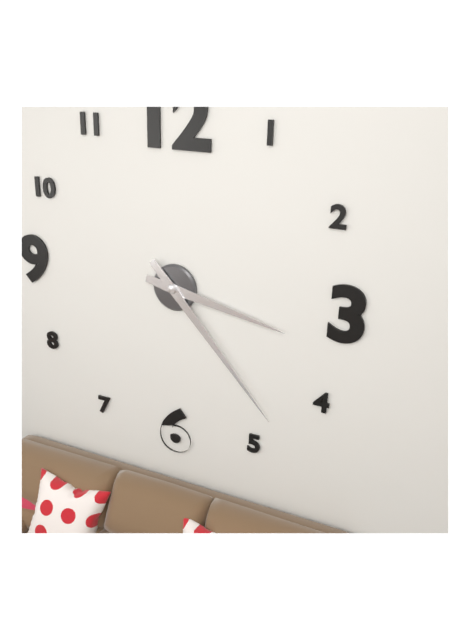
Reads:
3,23
